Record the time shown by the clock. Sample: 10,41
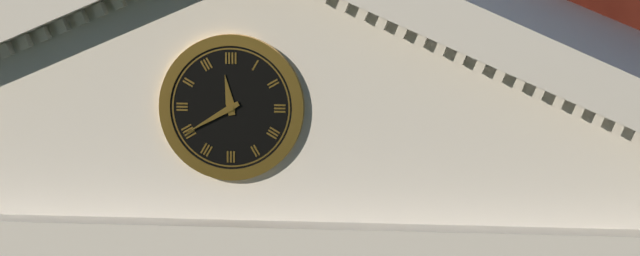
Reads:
11,40
